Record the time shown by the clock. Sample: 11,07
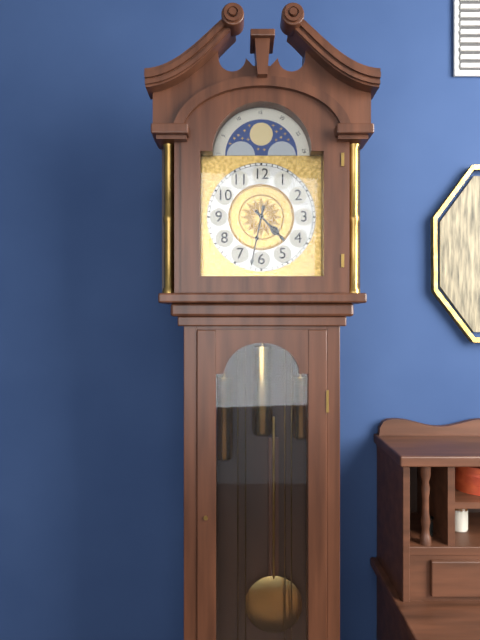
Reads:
4,32
